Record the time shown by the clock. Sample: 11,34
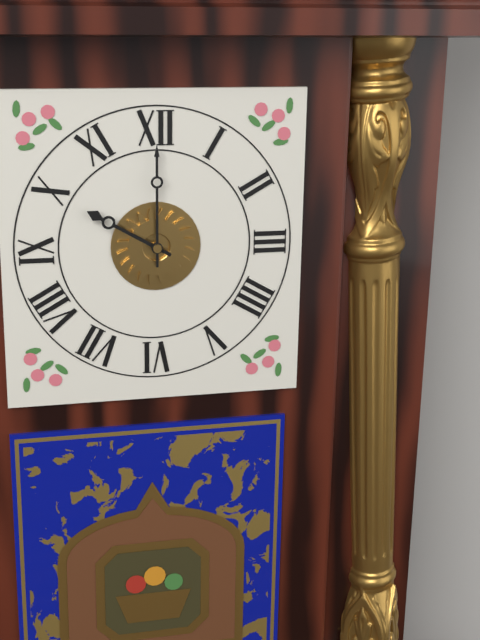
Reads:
10,00
